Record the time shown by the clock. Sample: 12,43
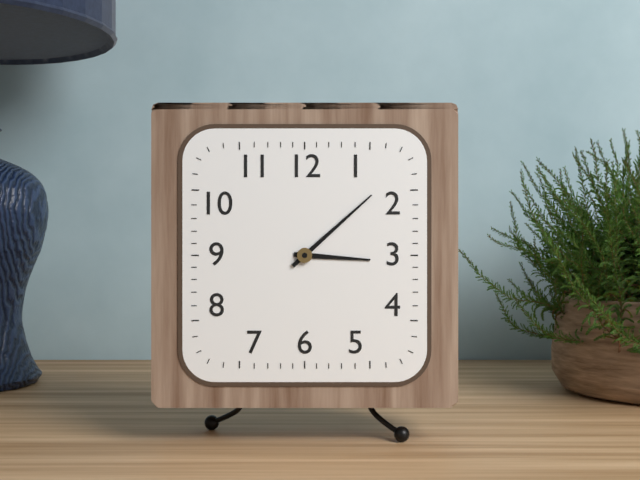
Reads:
3,08
